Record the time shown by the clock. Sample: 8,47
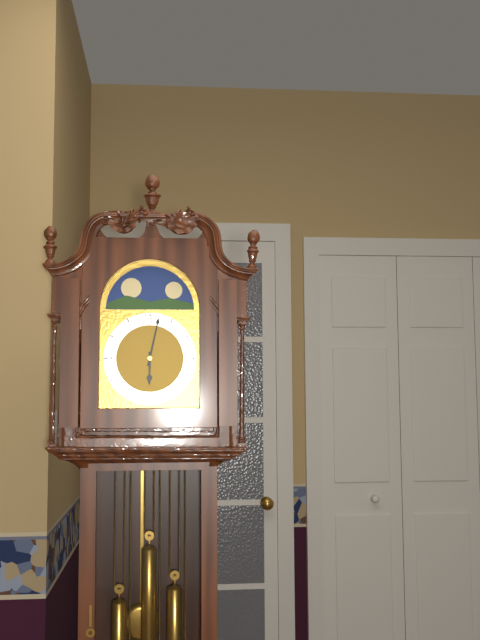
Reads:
6,02
